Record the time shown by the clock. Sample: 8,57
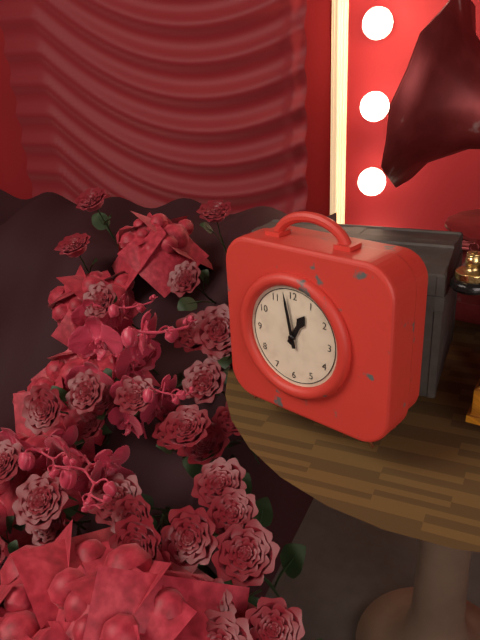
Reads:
12,58
